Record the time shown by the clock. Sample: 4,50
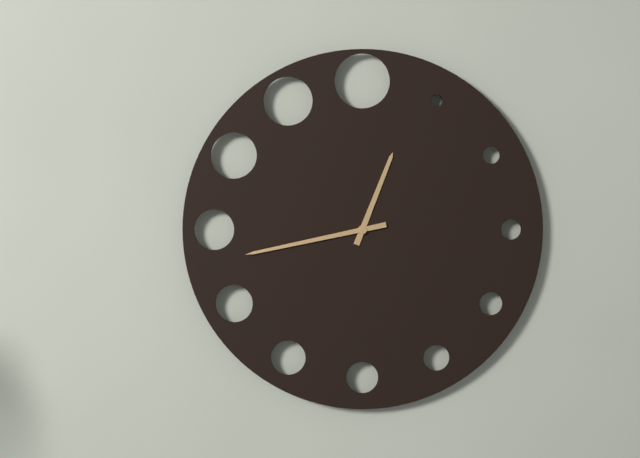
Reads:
12,43
